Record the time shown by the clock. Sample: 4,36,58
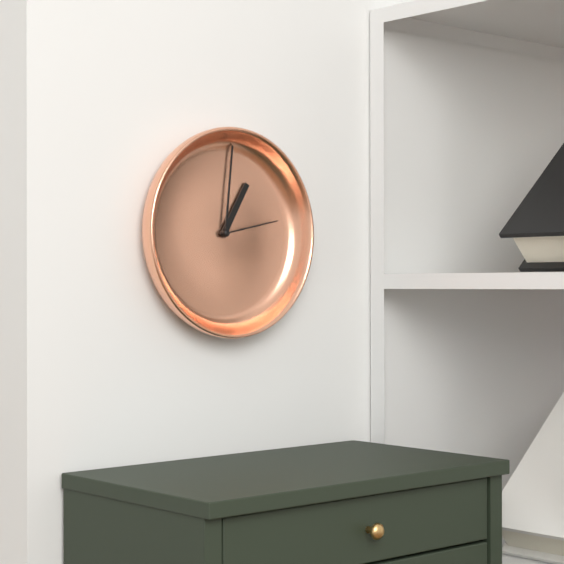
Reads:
1,01,13
